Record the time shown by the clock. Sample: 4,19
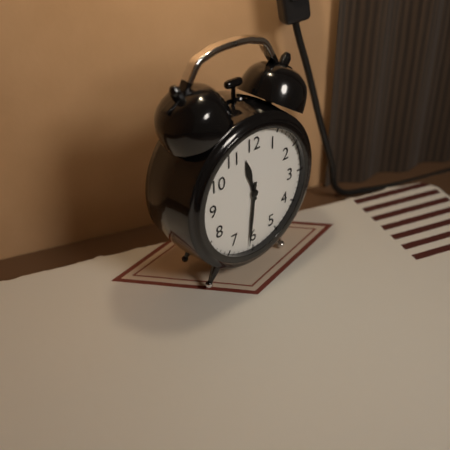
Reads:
11,31
